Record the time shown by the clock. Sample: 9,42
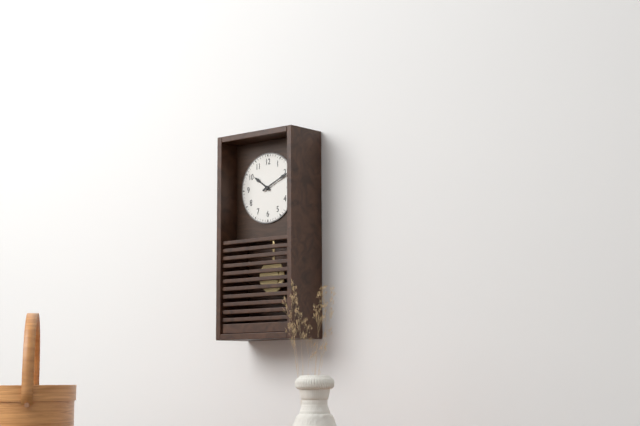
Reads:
10,11
